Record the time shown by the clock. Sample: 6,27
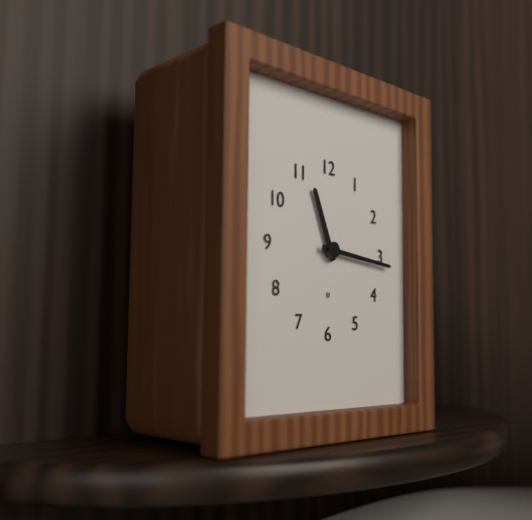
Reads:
11,16
